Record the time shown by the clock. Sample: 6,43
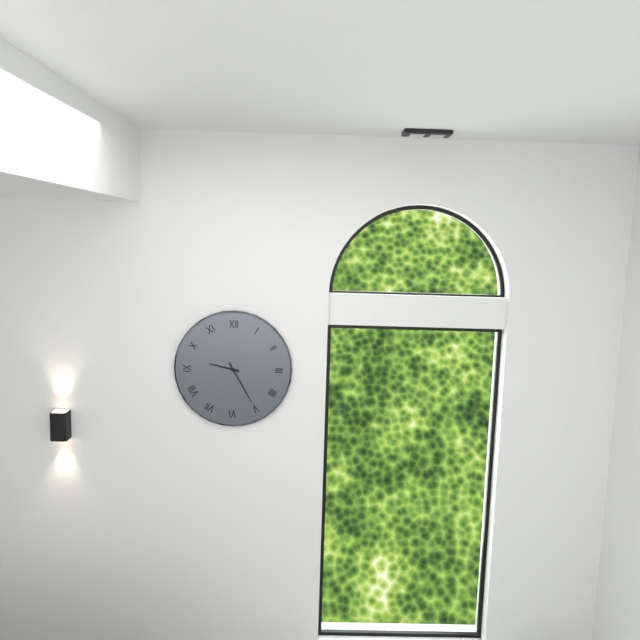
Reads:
9,25
